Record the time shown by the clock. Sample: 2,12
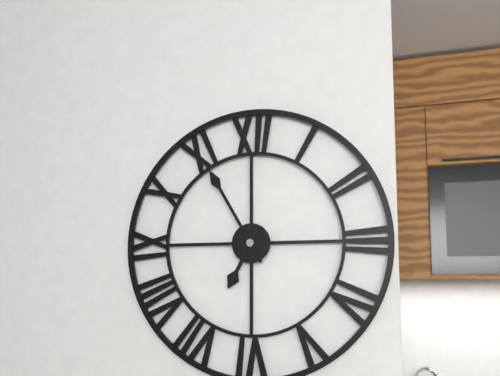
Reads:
6,55
